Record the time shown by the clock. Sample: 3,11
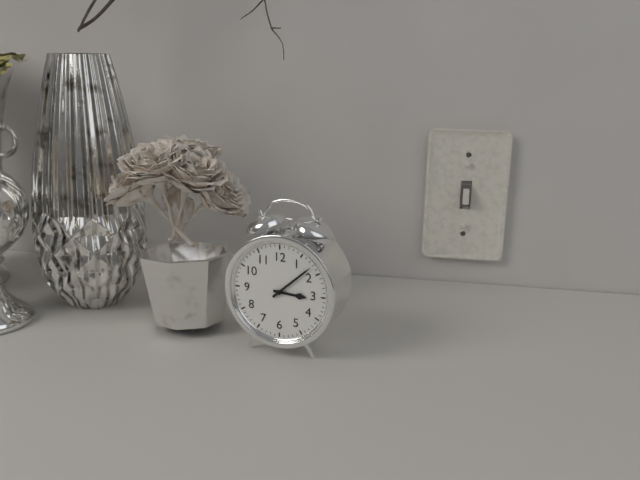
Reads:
3,08
